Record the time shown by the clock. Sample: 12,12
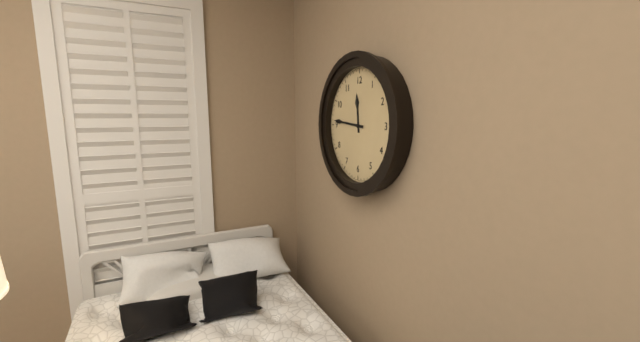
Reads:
11,46
